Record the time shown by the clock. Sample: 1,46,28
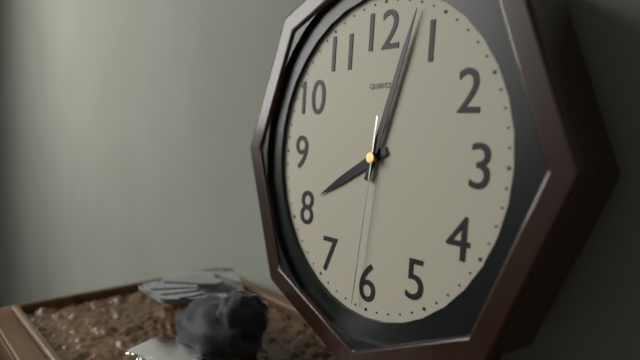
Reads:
8,03,31
